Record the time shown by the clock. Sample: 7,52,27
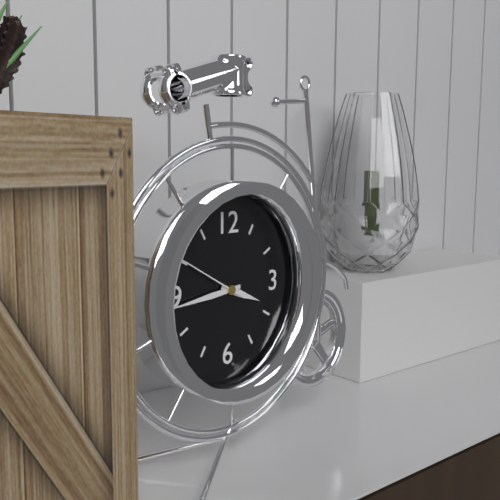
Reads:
3,44,50
